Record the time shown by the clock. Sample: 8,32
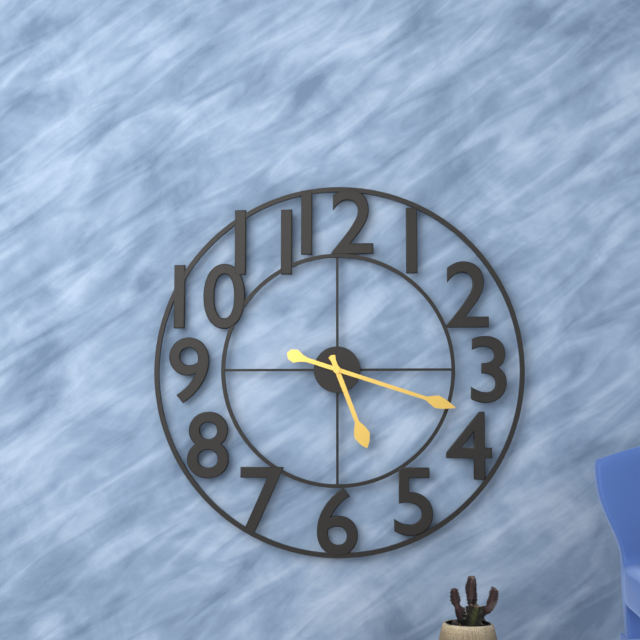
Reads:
5,18
